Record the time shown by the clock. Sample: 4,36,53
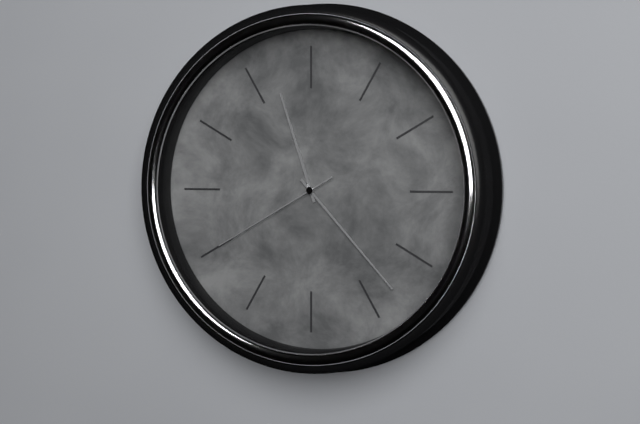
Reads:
11,23,40
